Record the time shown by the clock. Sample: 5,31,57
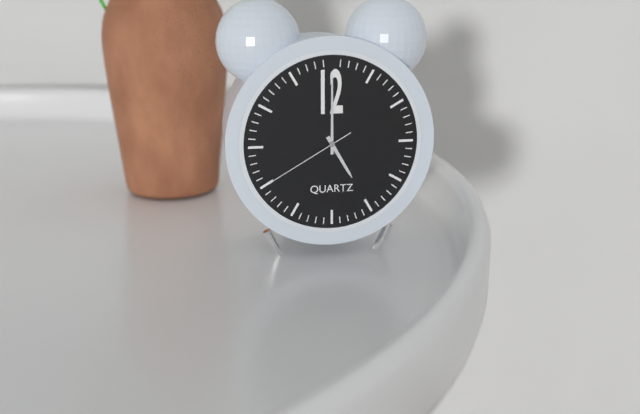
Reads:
5,00,40
